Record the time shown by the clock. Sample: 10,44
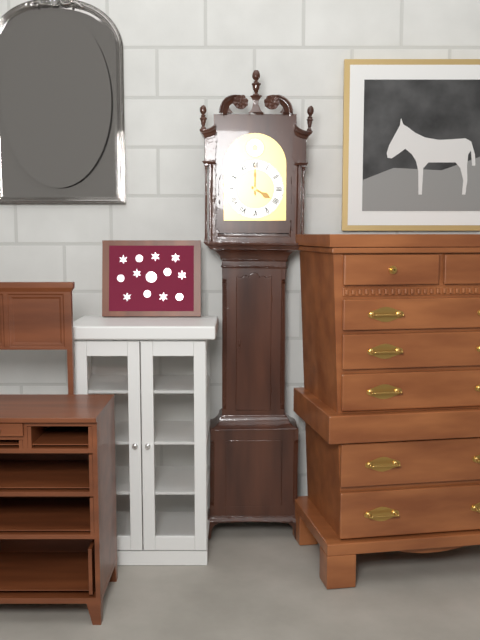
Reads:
4,00
